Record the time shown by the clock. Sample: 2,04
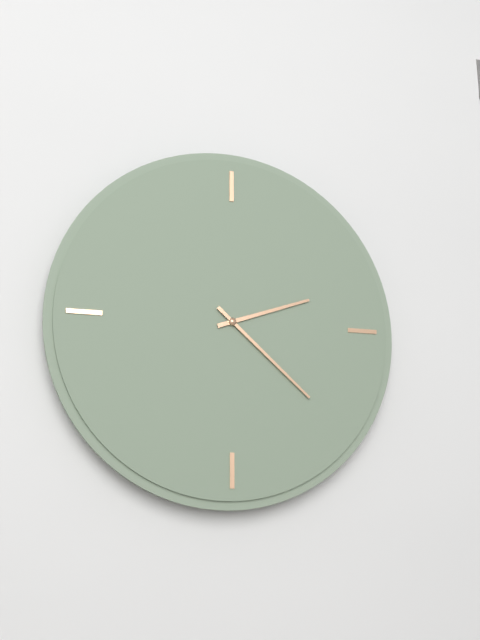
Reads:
2,22
